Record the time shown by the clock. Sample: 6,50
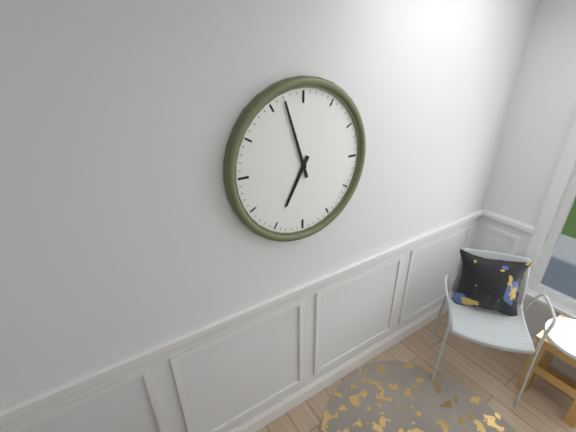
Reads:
6,57
